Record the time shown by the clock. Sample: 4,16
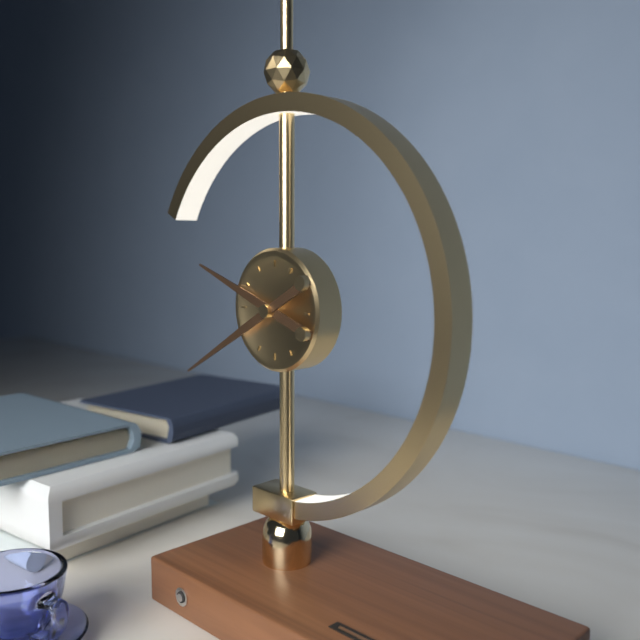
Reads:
9,40
